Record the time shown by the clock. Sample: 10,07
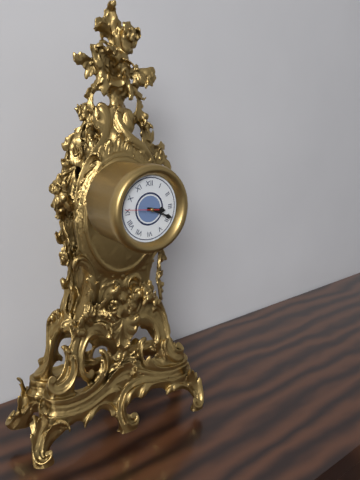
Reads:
3,19
